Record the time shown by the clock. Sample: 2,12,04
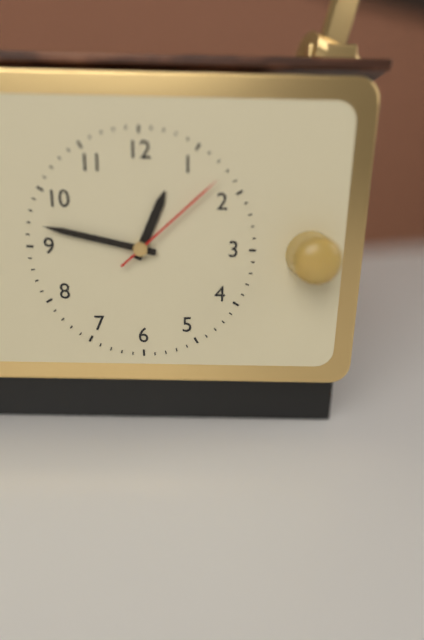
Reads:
12,47,08
